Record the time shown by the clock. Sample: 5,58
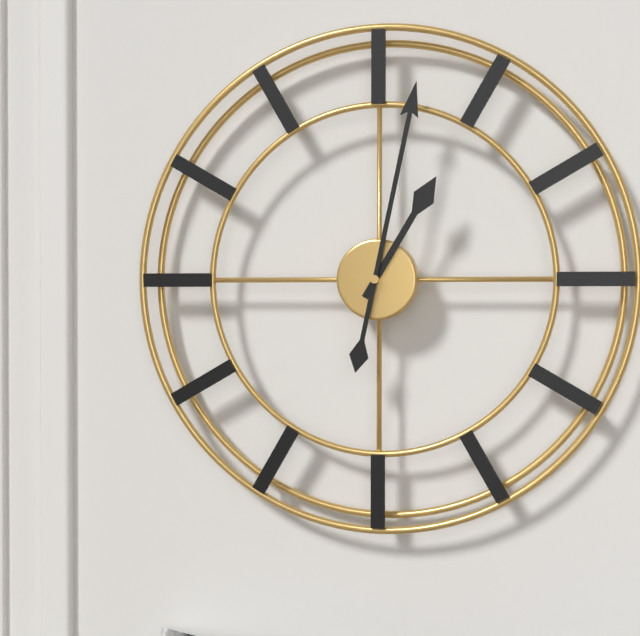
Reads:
1,02
